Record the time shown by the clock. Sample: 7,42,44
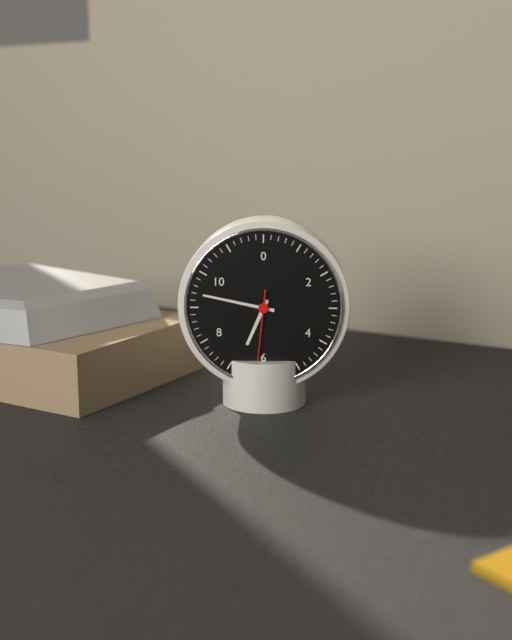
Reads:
6,47,31
